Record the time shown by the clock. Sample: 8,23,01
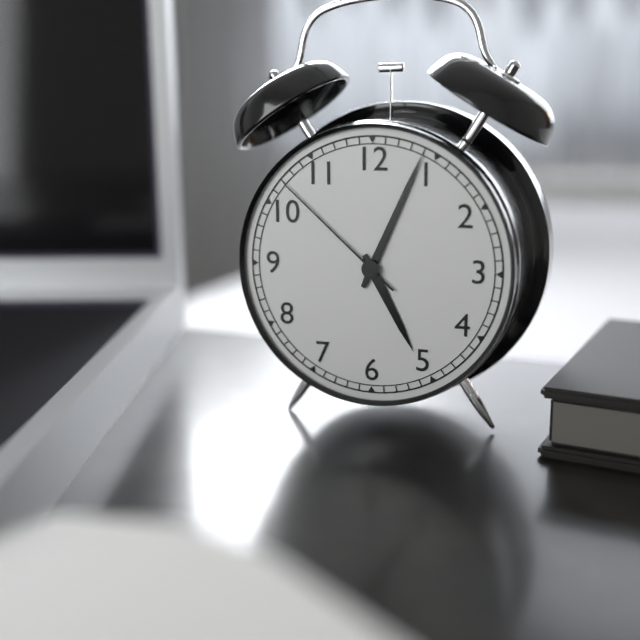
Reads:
5,04,52
